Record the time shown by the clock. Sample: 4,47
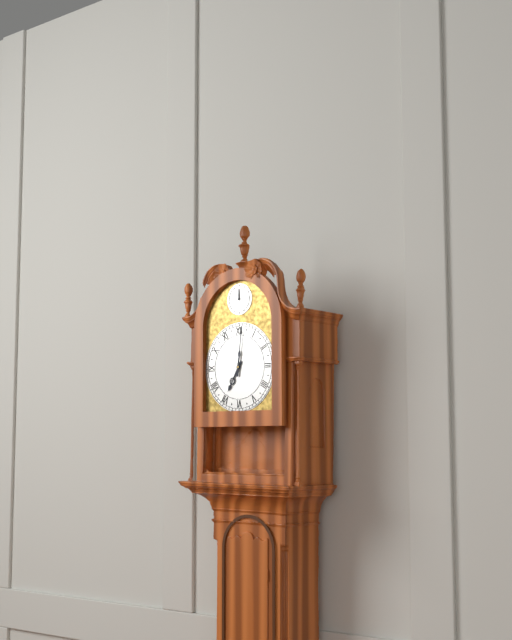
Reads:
7,01
